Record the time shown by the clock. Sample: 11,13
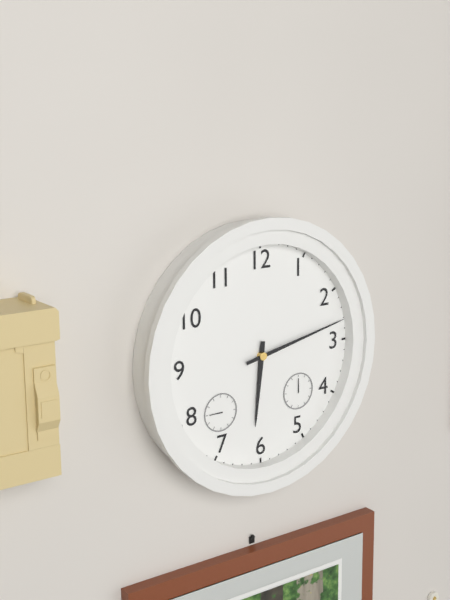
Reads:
6,13
